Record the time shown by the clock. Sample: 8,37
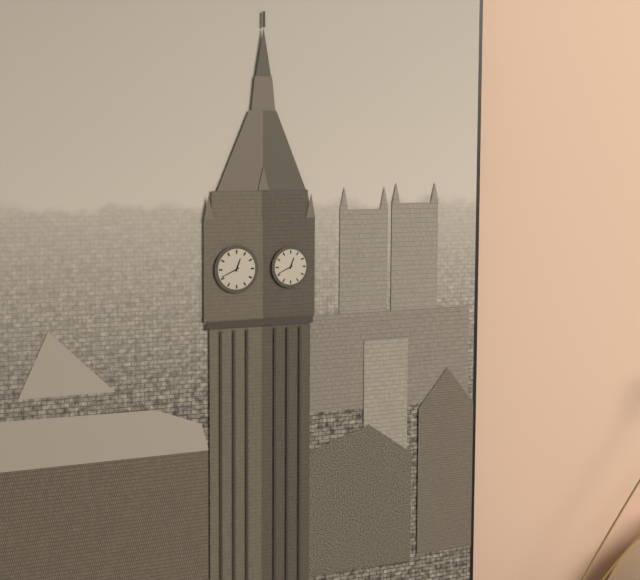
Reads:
12,41
